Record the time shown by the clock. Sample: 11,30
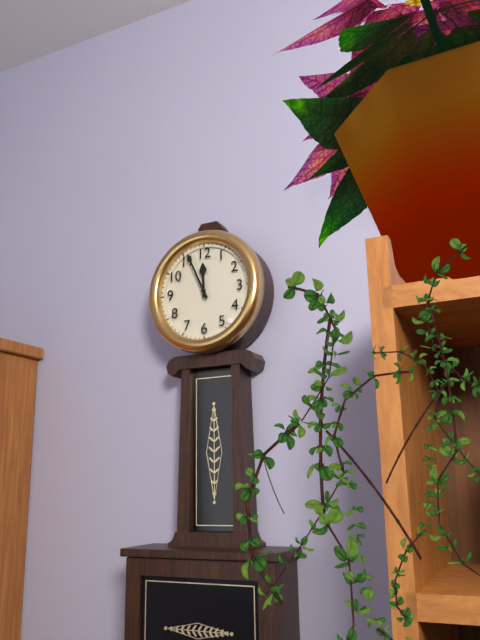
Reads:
11,56
